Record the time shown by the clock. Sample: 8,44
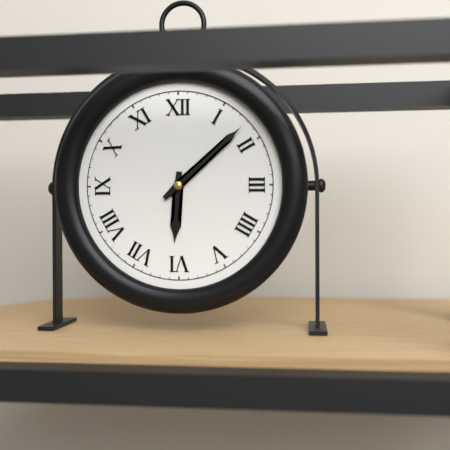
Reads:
6,08
